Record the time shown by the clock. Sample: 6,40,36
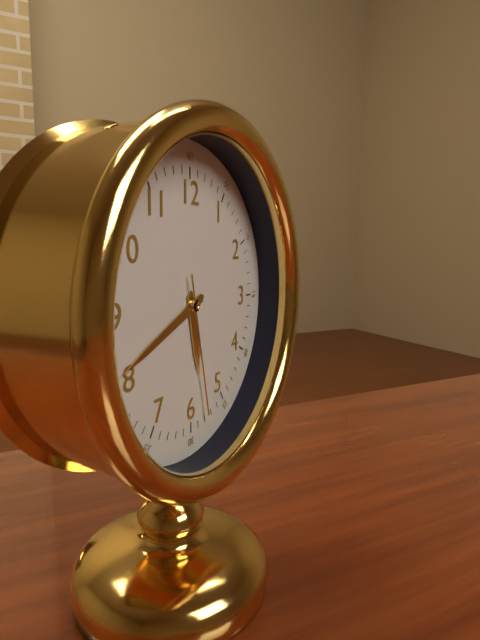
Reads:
5,41,28
